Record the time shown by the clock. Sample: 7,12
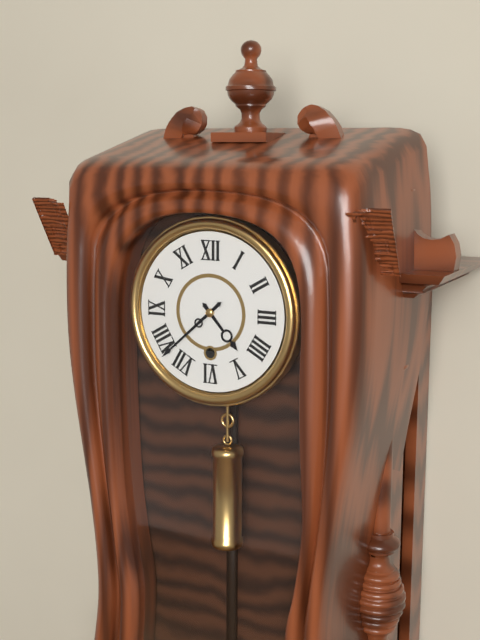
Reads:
4,38
